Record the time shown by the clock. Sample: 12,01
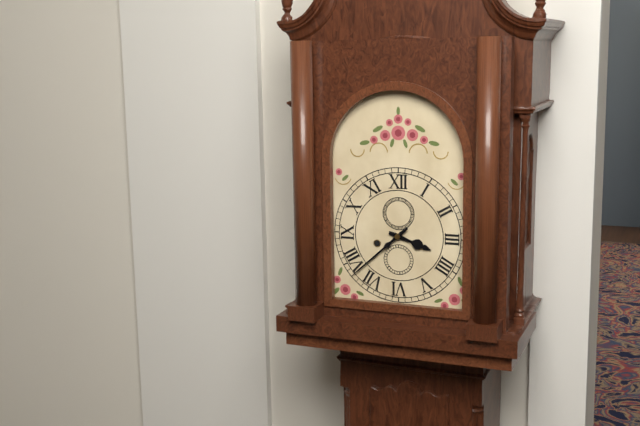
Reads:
3,38
